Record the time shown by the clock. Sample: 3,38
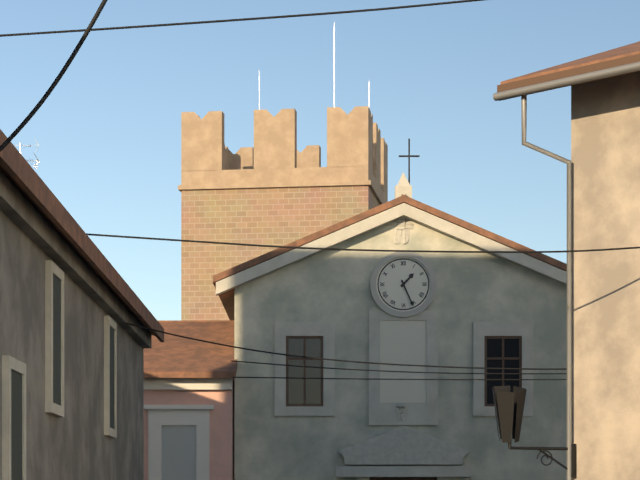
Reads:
1,26
